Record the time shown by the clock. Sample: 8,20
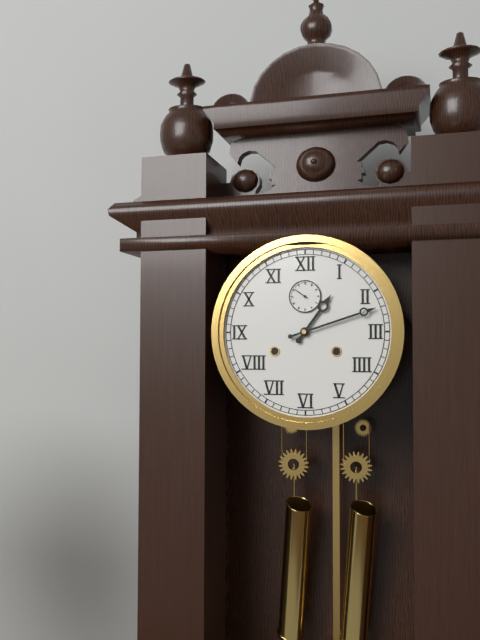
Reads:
1,12
